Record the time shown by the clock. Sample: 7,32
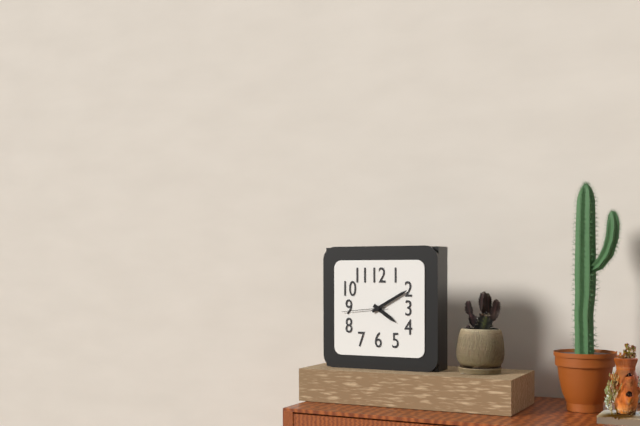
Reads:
4,10
